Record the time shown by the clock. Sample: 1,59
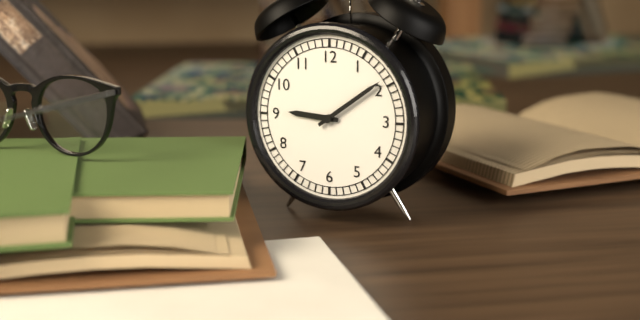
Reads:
9,09
